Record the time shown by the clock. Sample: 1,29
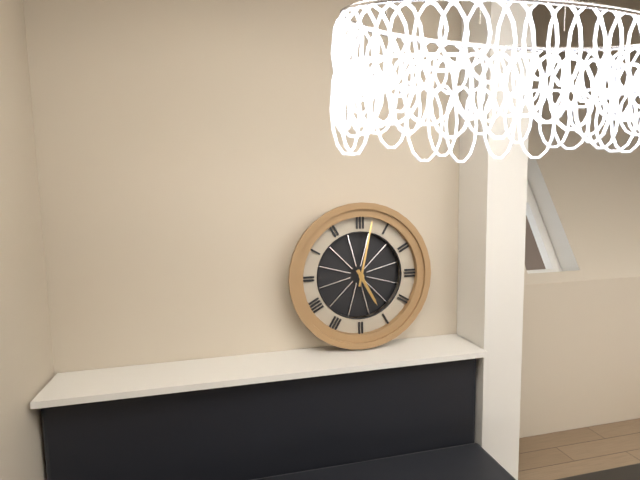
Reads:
5,02
